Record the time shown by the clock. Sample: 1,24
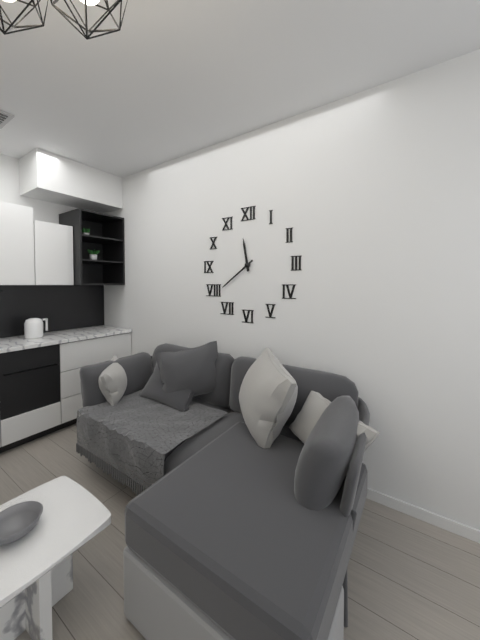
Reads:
11,39
